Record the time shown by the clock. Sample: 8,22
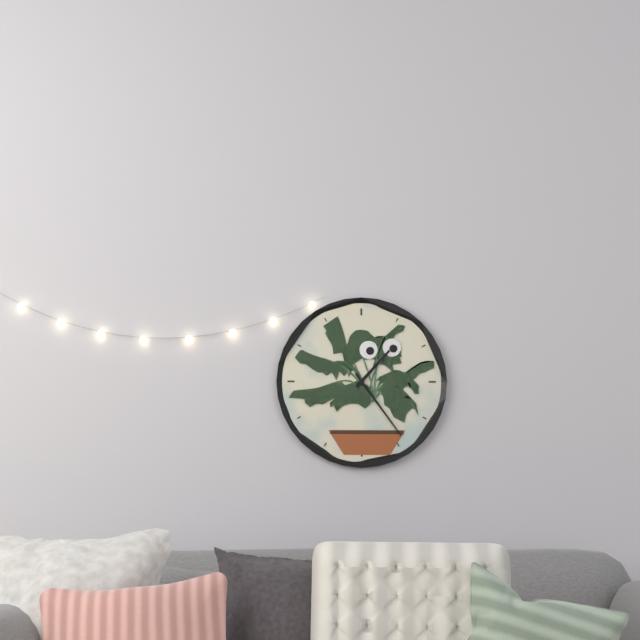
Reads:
1,24
